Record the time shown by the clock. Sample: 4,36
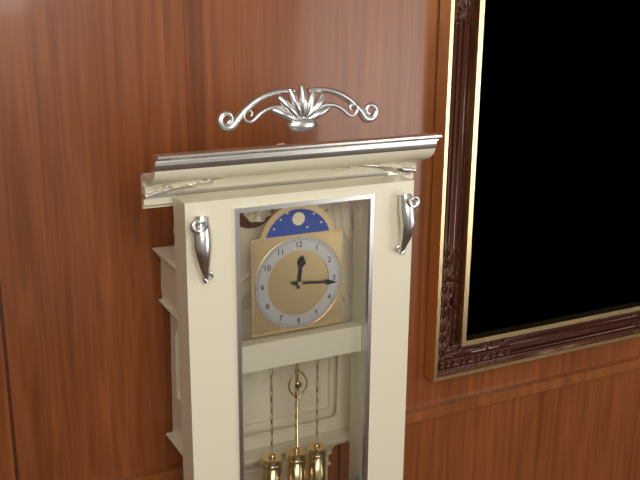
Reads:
12,16
